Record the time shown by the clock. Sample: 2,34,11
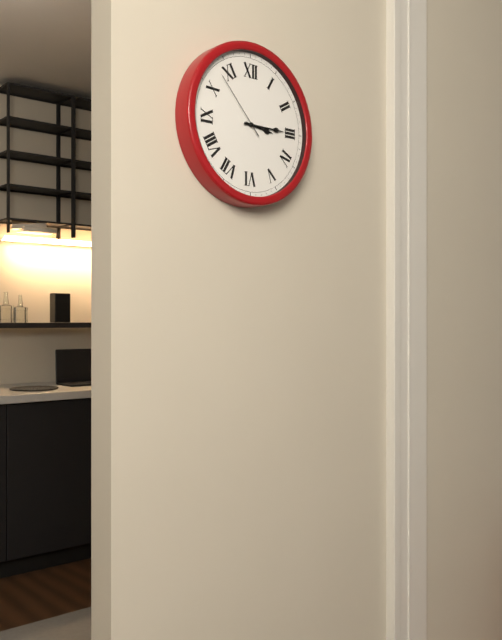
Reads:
3,15,53
